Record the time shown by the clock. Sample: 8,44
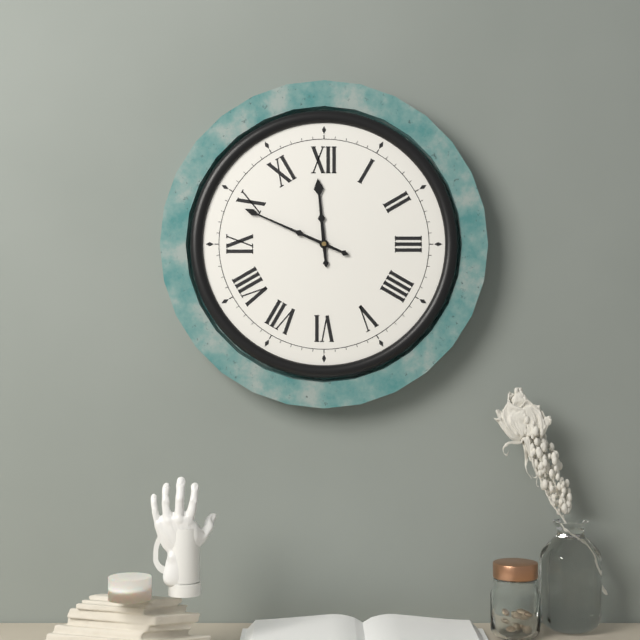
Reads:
11,49
